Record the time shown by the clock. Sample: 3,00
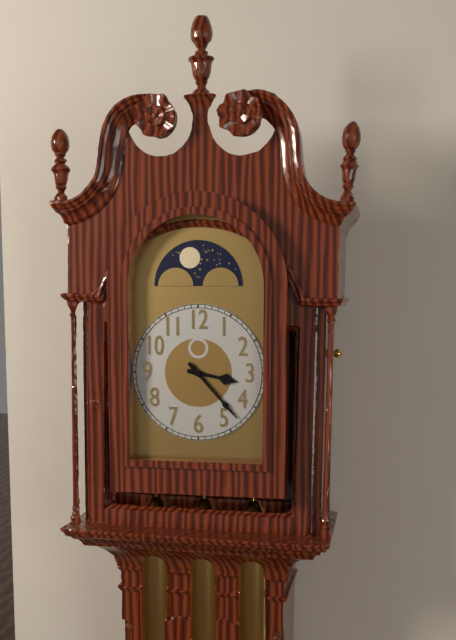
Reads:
3,23
